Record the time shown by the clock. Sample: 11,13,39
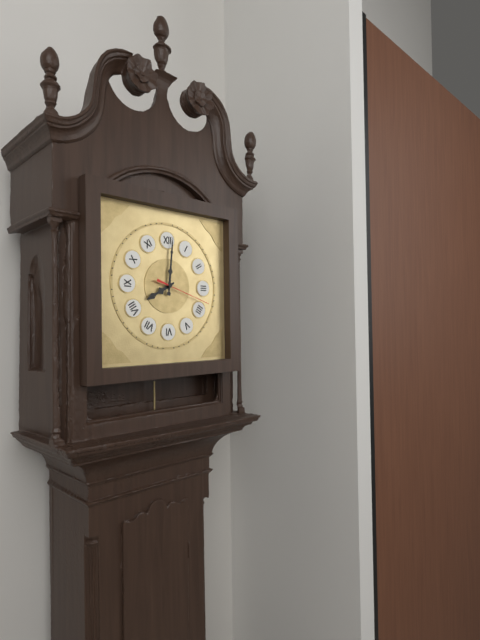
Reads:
8,01,18
